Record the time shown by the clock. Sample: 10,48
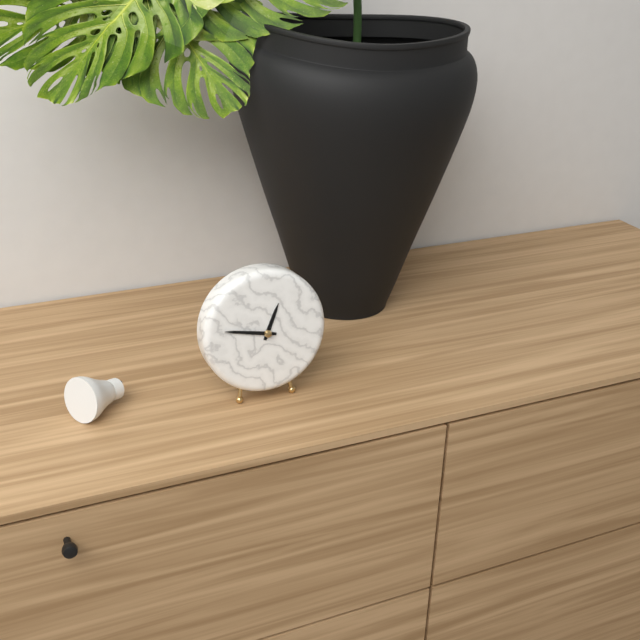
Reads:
12,47
